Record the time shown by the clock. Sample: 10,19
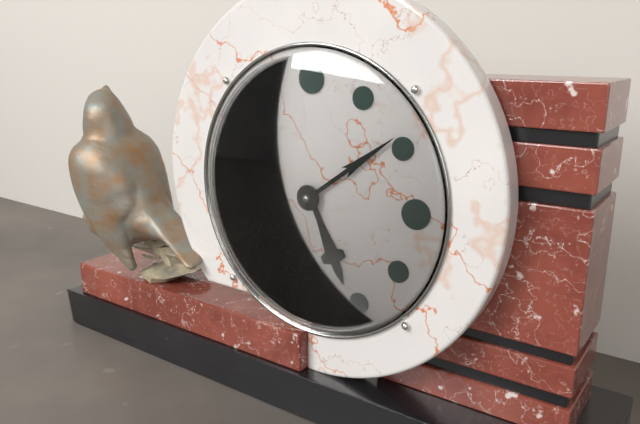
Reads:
5,09
